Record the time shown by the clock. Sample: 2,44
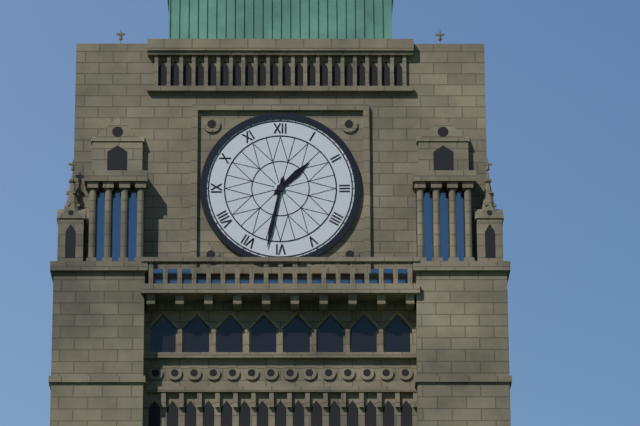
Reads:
1,32
